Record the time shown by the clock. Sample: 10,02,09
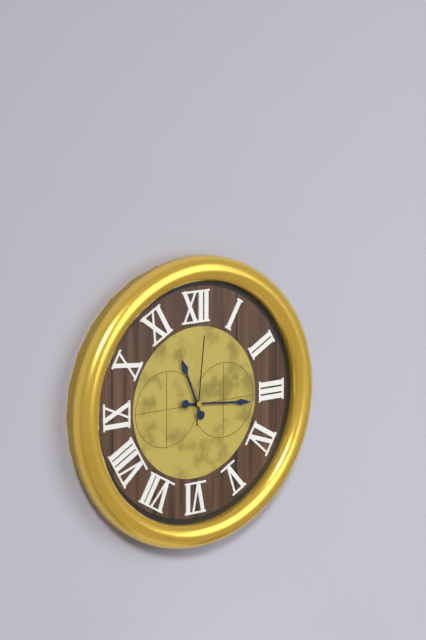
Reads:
11,16,01
